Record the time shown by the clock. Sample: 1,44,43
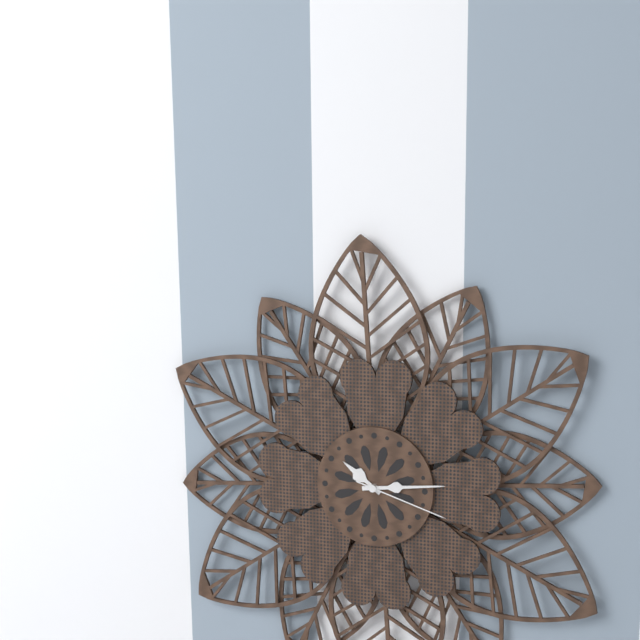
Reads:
10,14,18
